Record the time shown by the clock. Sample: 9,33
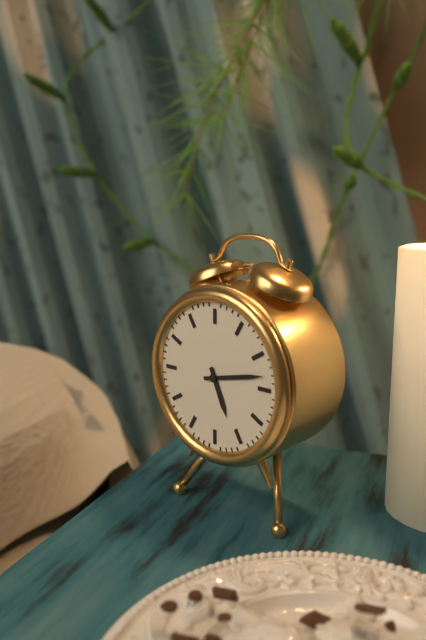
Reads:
5,13
